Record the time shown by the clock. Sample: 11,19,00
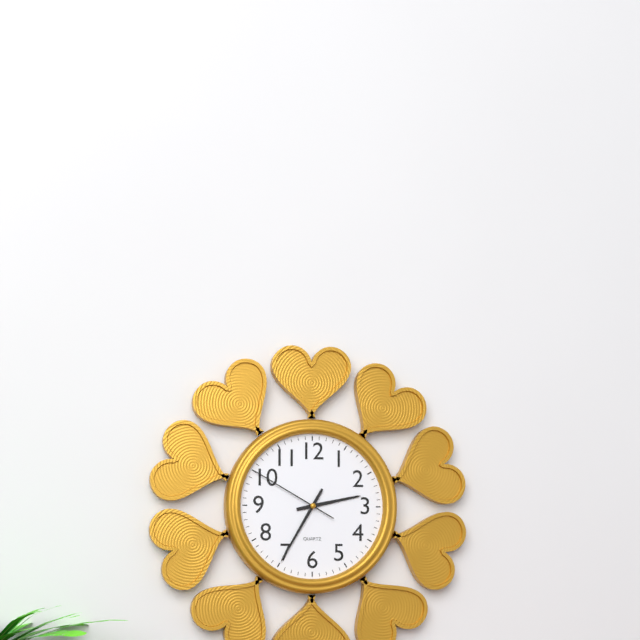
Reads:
2,35,50
